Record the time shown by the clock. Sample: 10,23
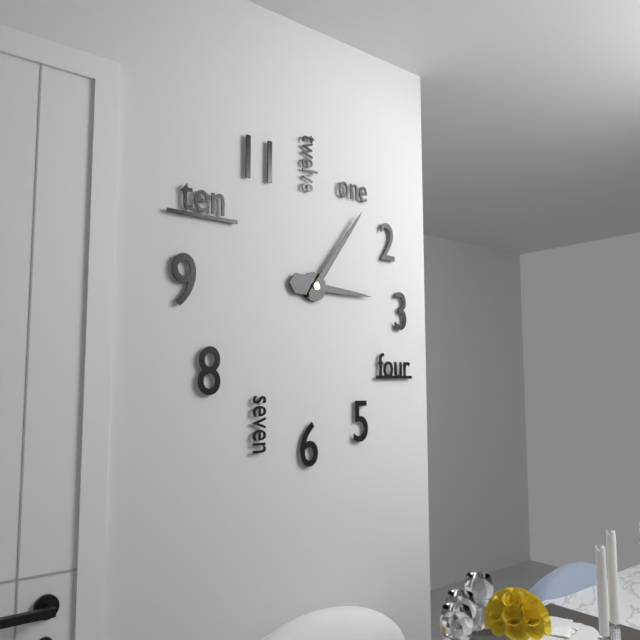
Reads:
3,06
